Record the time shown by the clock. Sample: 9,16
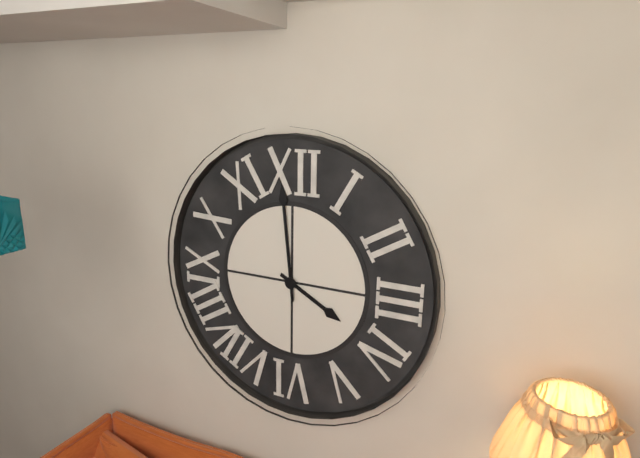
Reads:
3,59
